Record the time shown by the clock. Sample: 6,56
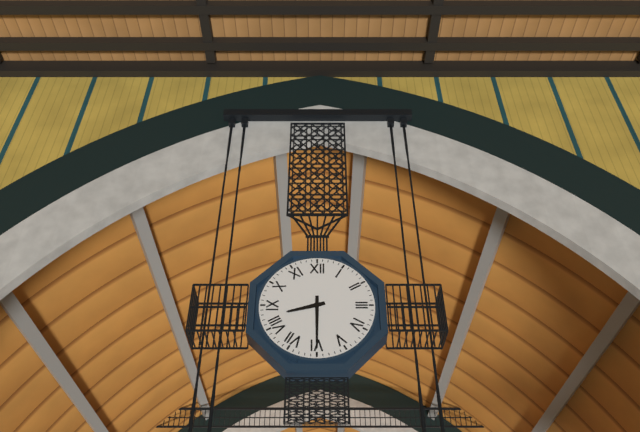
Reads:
8,30
